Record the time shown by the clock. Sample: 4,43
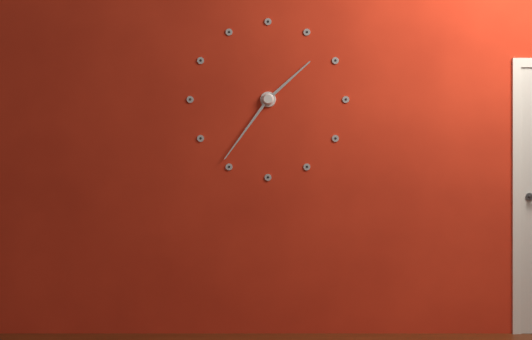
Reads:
1,36
